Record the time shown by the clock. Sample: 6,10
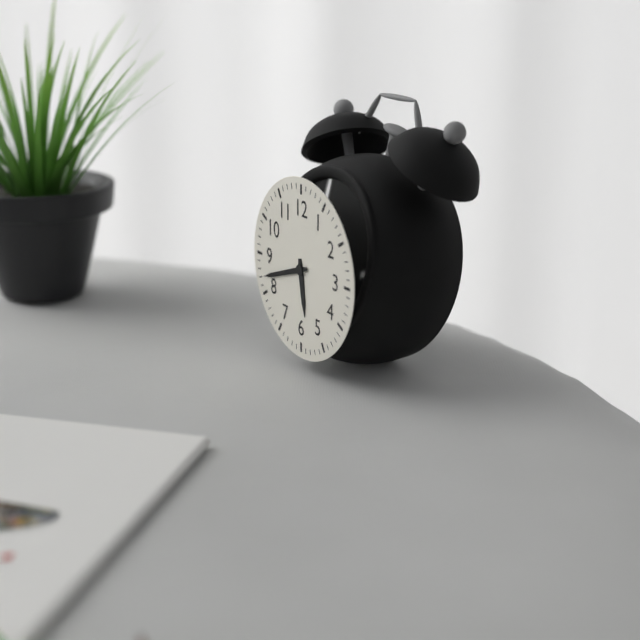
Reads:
5,42
